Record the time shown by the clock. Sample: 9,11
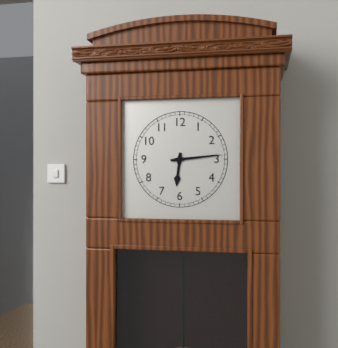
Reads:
6,14
